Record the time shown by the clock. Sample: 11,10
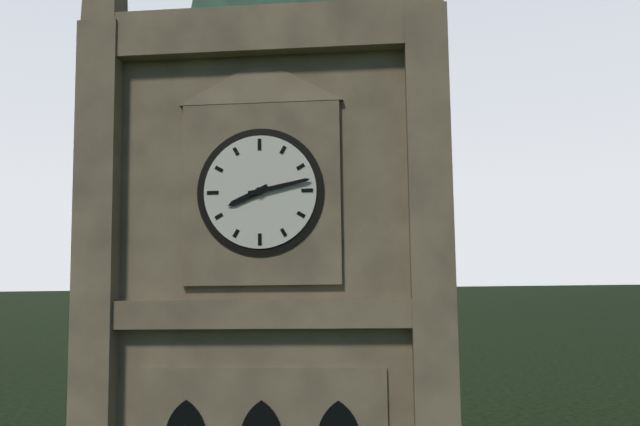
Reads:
8,13
